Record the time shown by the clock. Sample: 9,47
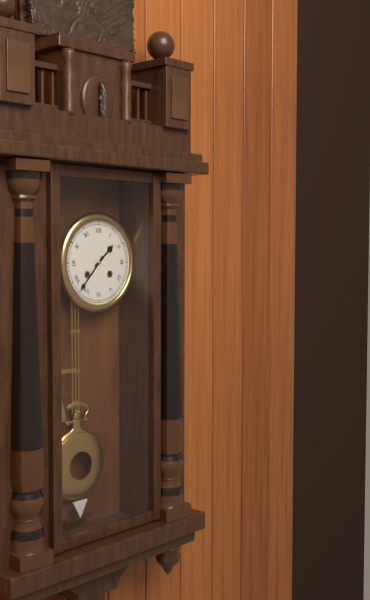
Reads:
1,37
